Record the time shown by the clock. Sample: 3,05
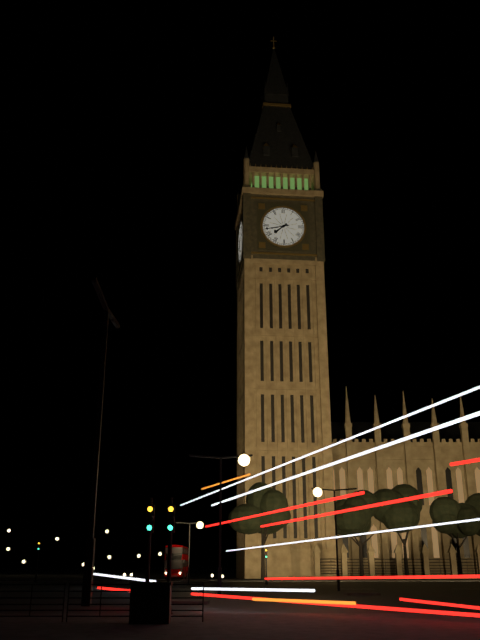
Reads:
7,43
